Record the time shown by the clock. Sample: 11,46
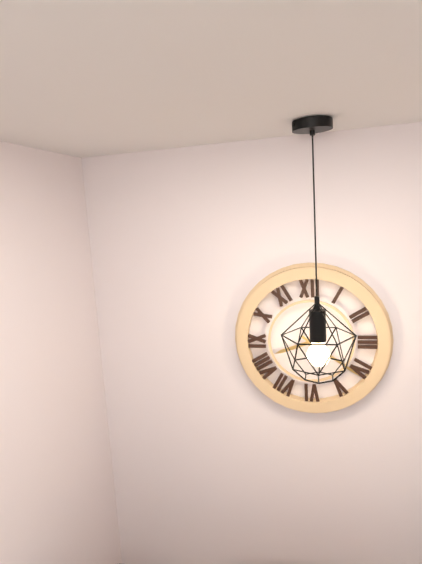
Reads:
8,21
